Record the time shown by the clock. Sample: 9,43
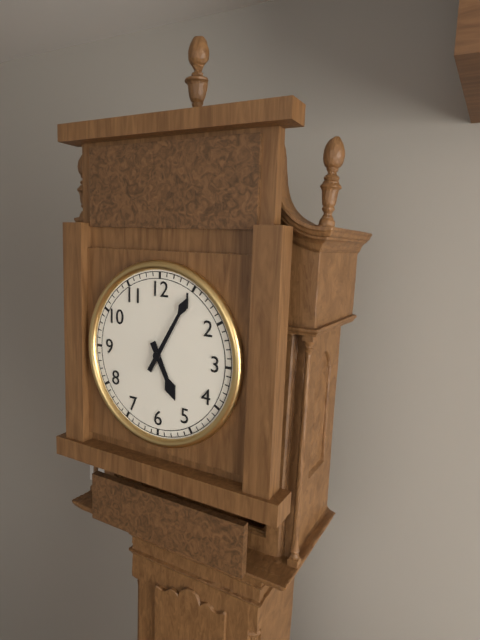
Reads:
5,05
